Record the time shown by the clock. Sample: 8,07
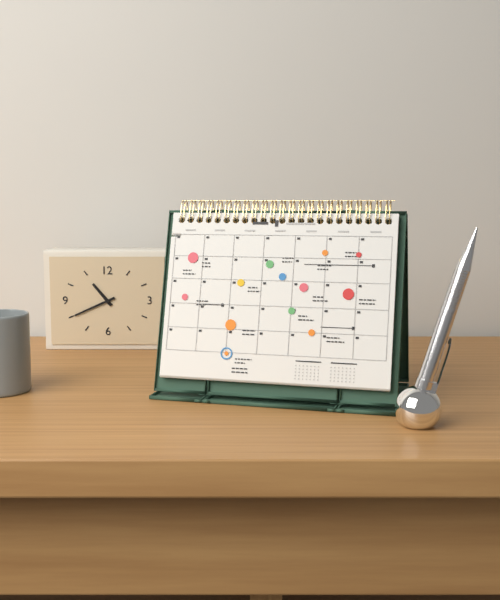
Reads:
10,41
